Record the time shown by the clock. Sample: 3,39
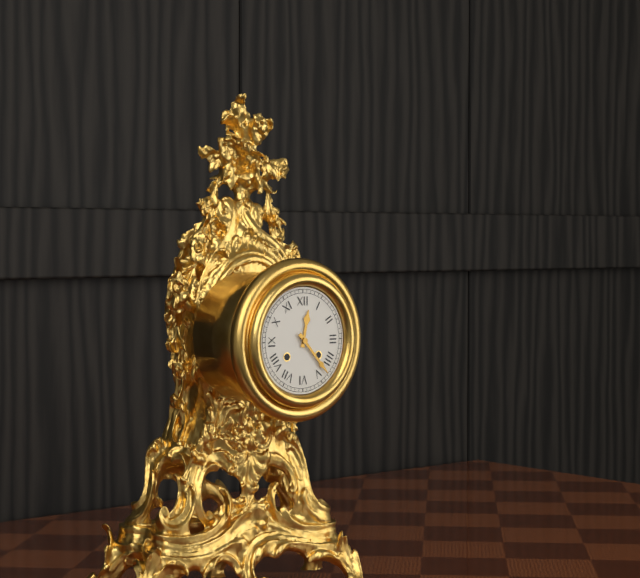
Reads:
12,23
